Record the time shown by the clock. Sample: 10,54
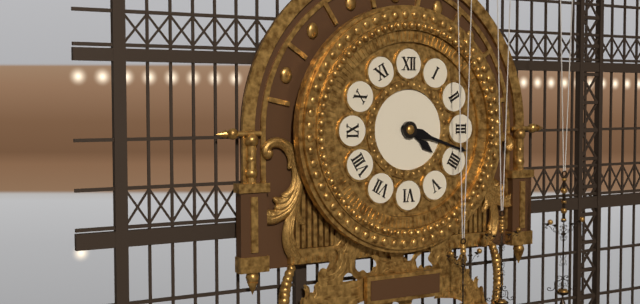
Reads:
4,18
